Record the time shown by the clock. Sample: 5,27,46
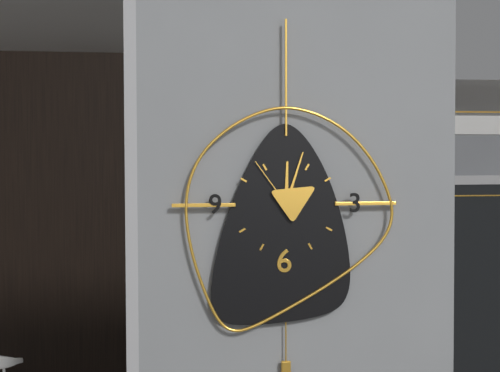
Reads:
12,03,54
